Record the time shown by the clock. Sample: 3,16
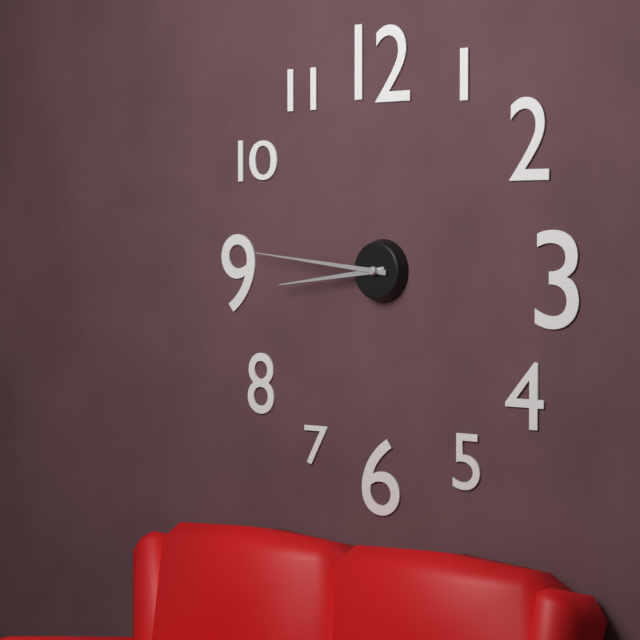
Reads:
8,46
